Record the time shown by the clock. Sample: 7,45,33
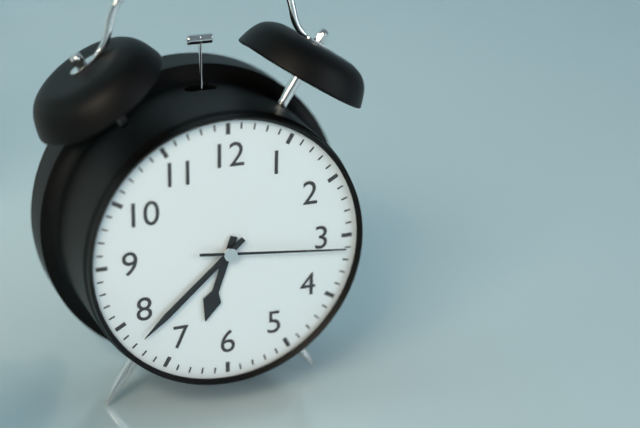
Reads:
6,38,16
